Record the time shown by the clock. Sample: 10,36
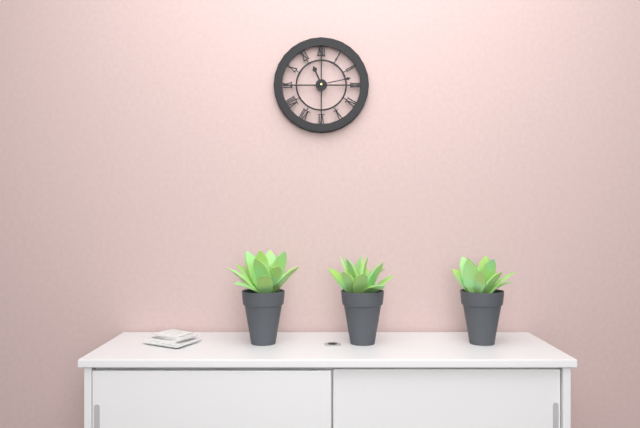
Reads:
11,13
